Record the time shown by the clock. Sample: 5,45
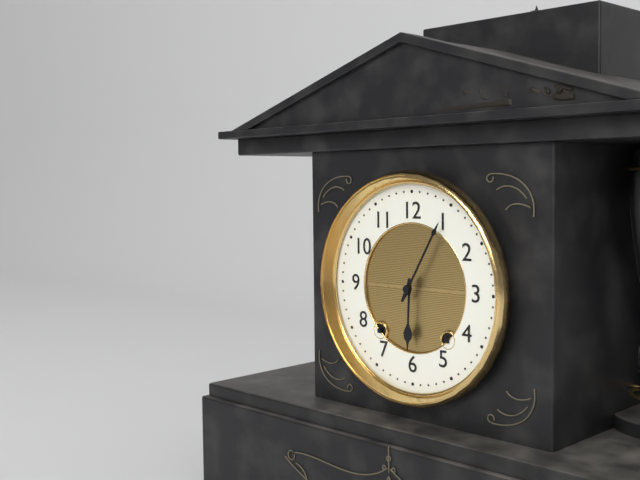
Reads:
6,05
